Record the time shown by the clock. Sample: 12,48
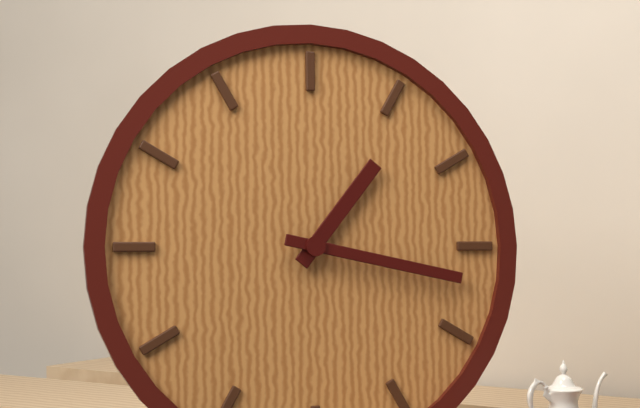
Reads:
1,17
